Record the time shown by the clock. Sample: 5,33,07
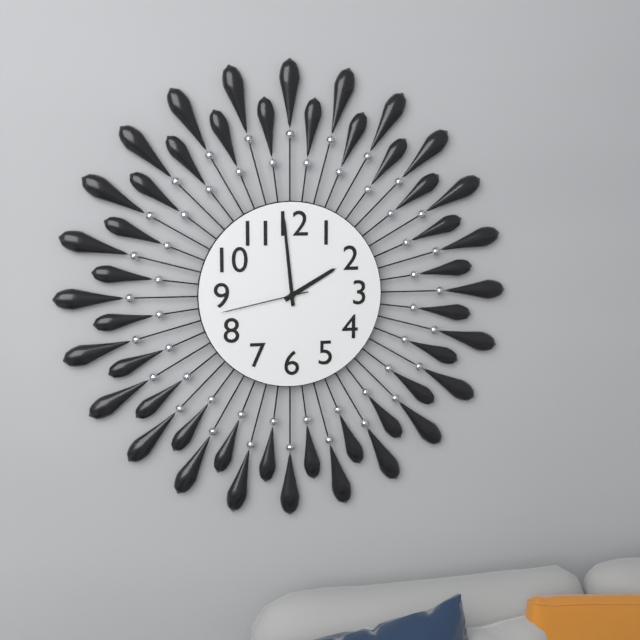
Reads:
1,59,43
